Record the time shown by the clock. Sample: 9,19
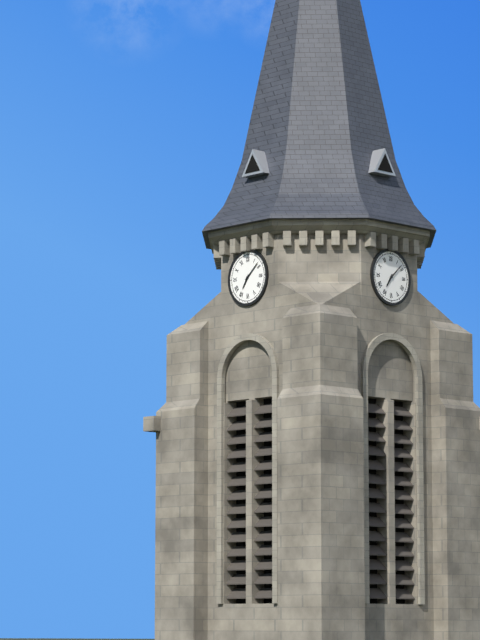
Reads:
7,08
